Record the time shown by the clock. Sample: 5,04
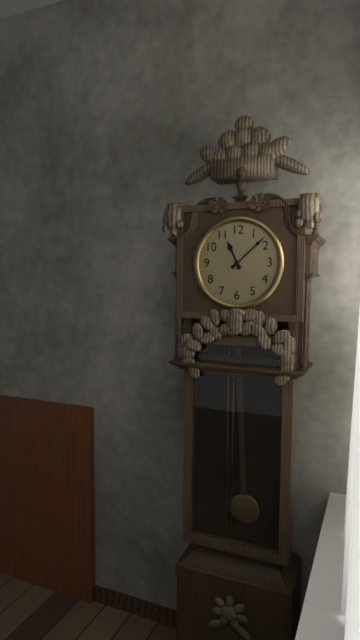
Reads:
11,08
